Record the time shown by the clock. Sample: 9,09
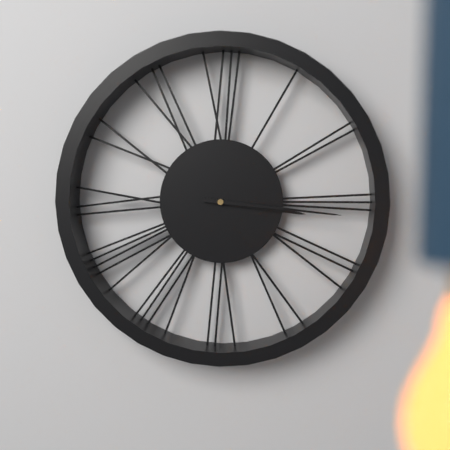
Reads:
3,16
